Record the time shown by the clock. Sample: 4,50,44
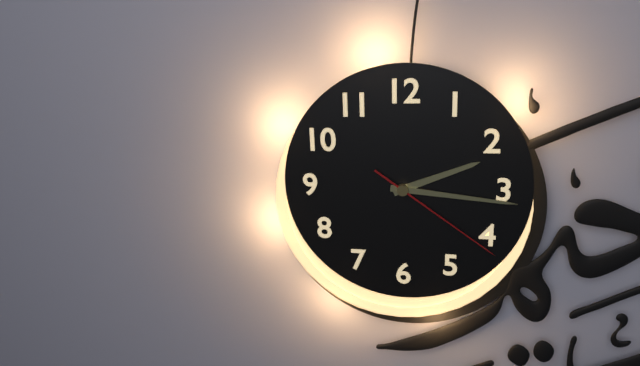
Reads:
2,16,21
